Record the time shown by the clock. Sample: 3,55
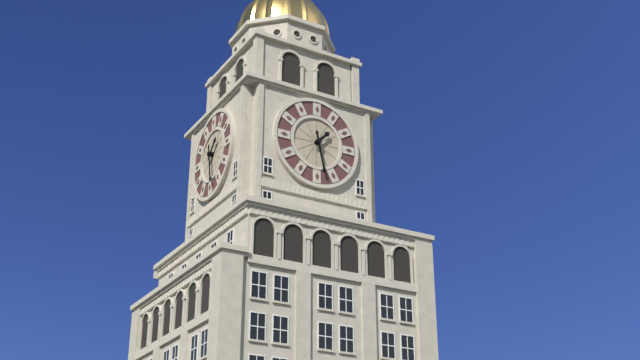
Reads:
1,28
